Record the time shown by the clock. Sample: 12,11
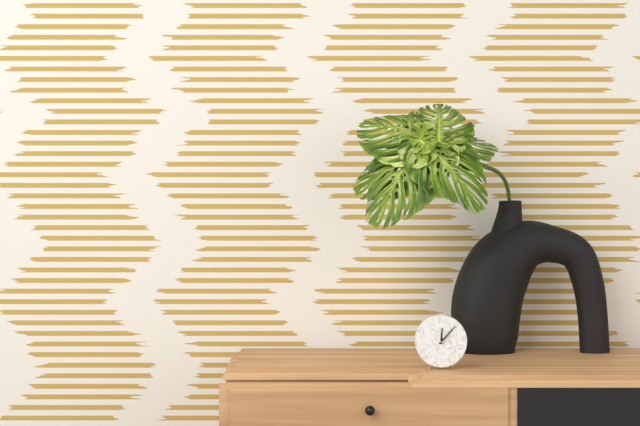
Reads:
12,07
